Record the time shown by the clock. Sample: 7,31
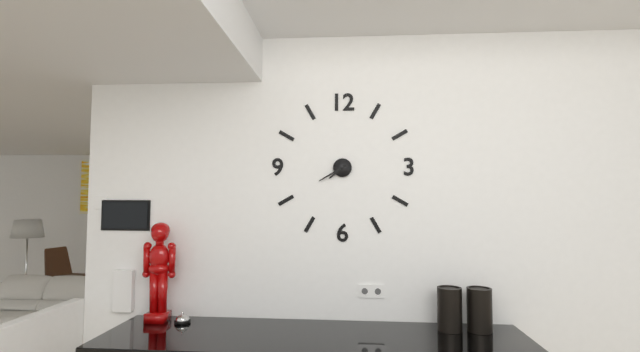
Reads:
7,40
